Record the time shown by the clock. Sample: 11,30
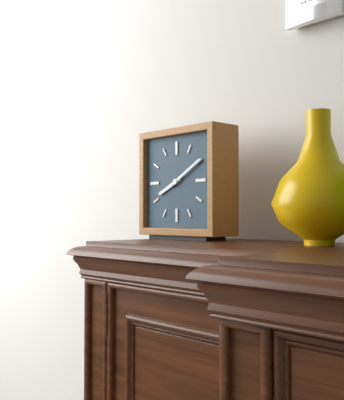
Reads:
8,10
